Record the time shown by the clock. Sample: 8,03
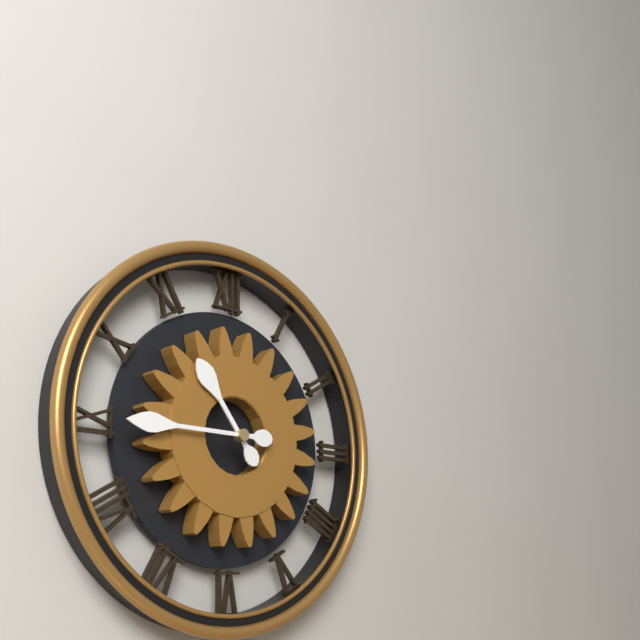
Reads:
10,45
